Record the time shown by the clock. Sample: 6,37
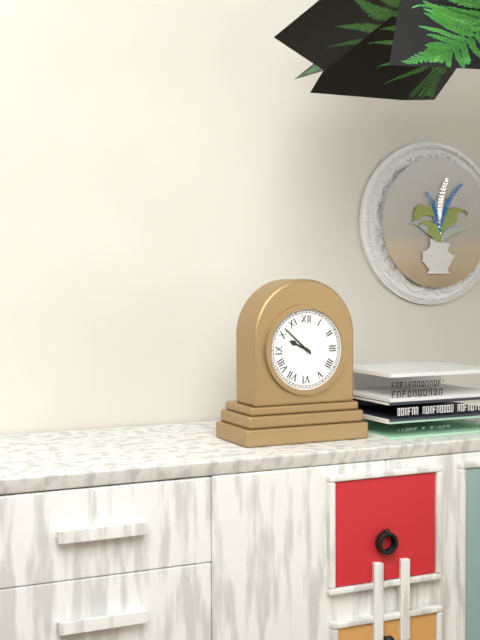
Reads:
9,52
